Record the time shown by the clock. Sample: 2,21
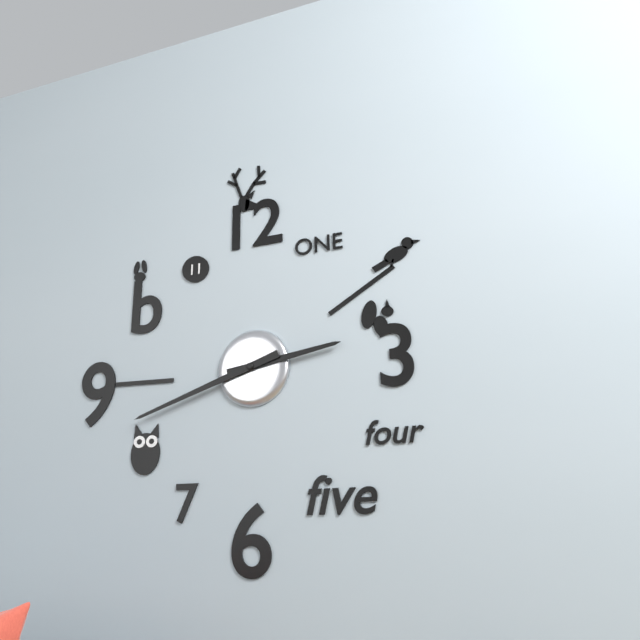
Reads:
2,42
